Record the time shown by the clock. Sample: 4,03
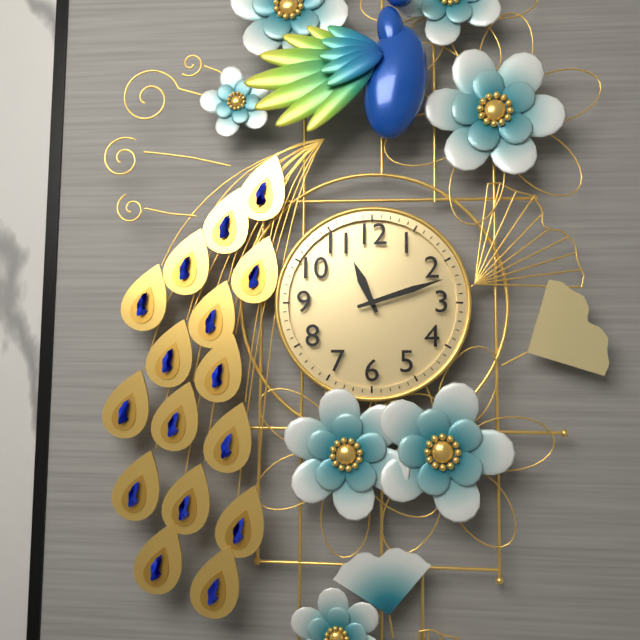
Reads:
11,12
